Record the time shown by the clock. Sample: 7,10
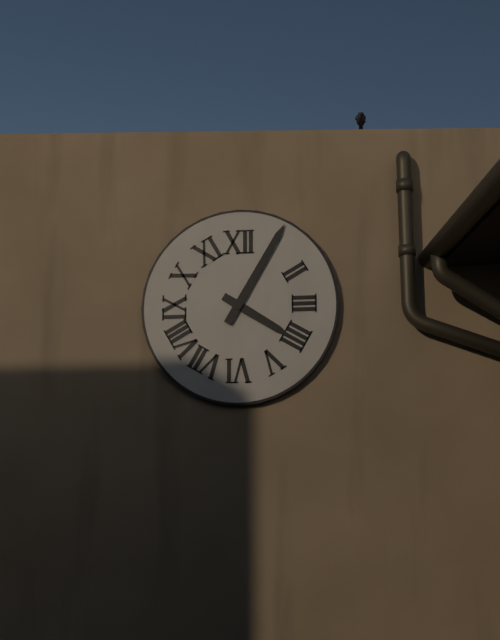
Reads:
4,05
